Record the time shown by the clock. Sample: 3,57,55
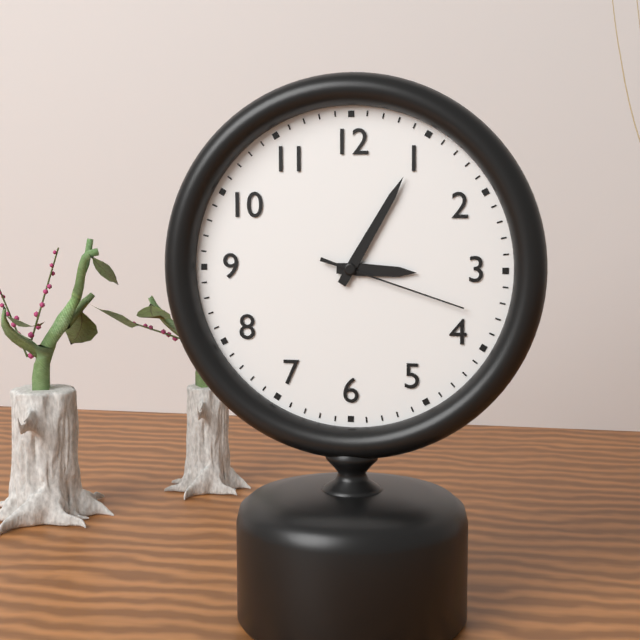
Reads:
3,05,18
